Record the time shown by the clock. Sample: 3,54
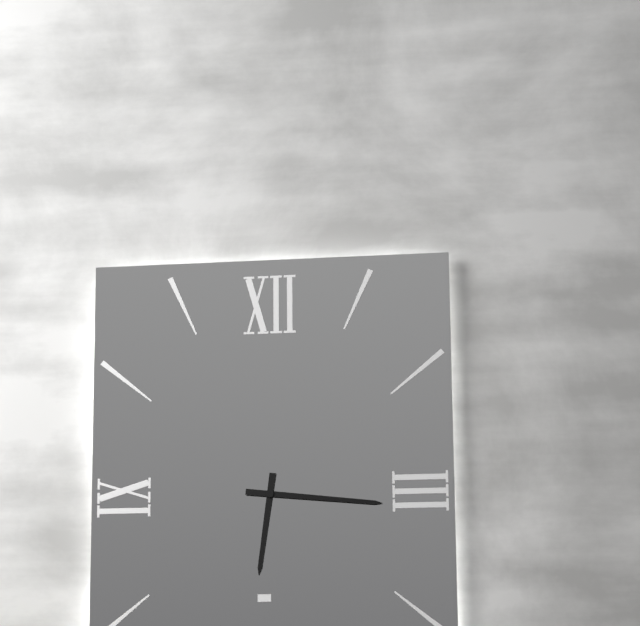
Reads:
6,16
